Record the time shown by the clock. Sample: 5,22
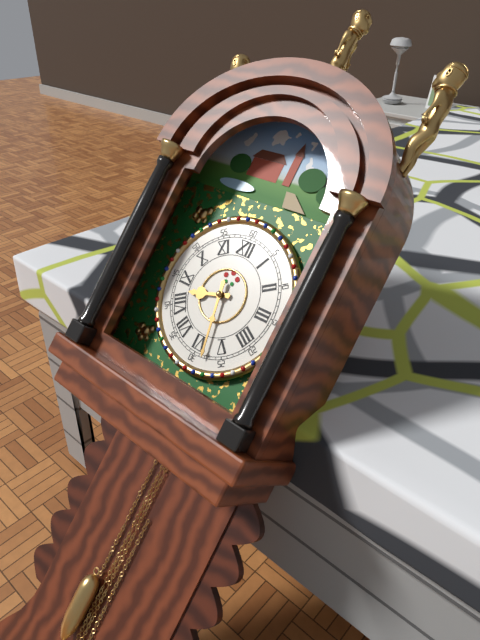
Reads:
8,28
